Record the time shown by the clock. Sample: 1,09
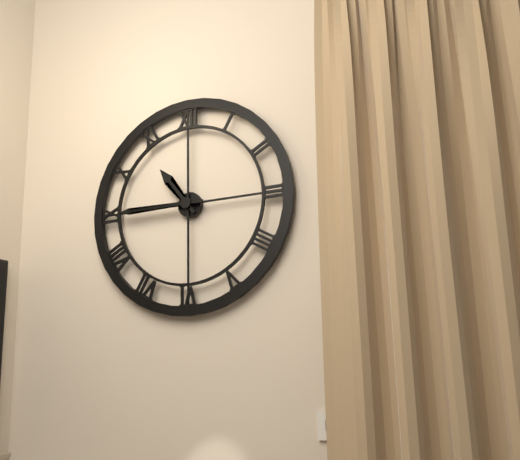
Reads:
10,45
